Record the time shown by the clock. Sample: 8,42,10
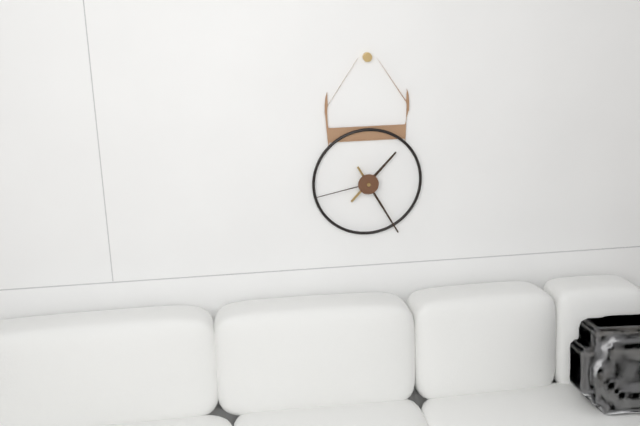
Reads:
1,25,43
